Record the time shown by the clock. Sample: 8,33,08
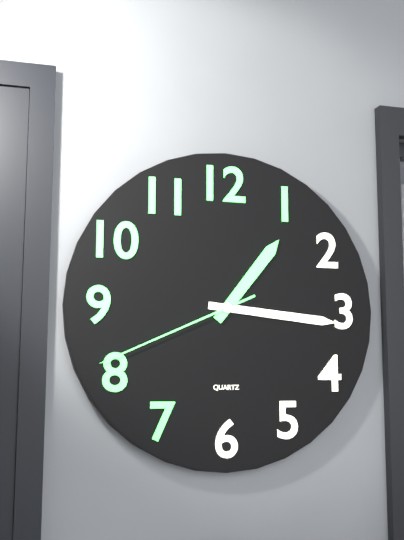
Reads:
1,16,41
